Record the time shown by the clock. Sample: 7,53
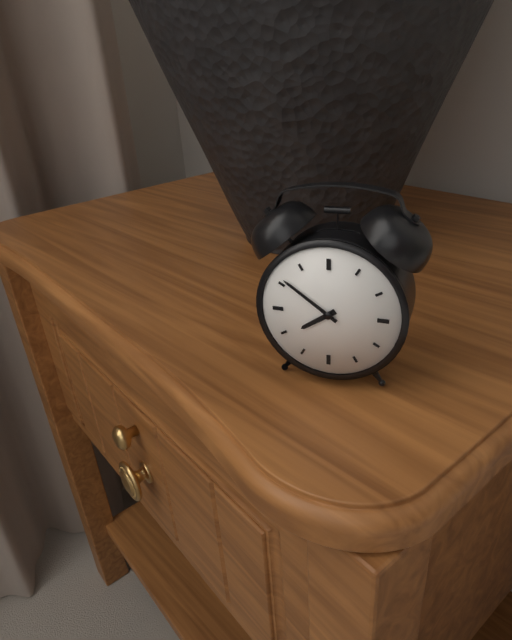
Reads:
7,51
